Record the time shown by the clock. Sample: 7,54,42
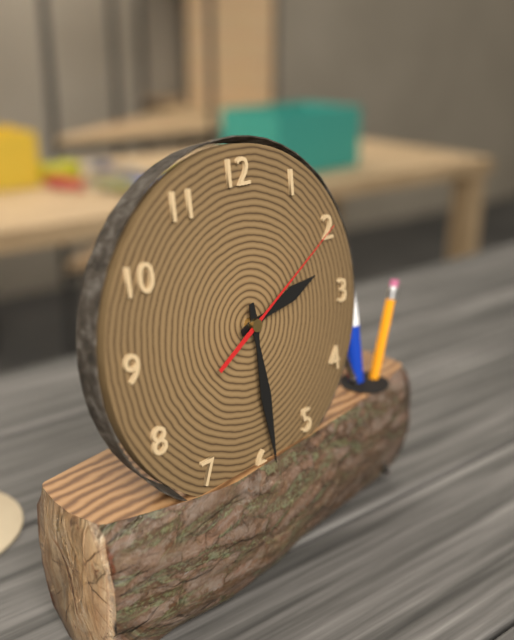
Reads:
2,29,10
